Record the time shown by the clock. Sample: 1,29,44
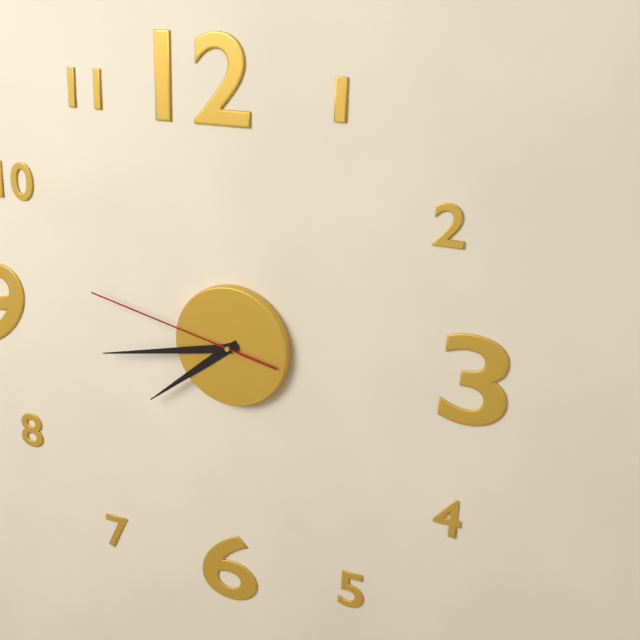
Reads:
7,43,47
